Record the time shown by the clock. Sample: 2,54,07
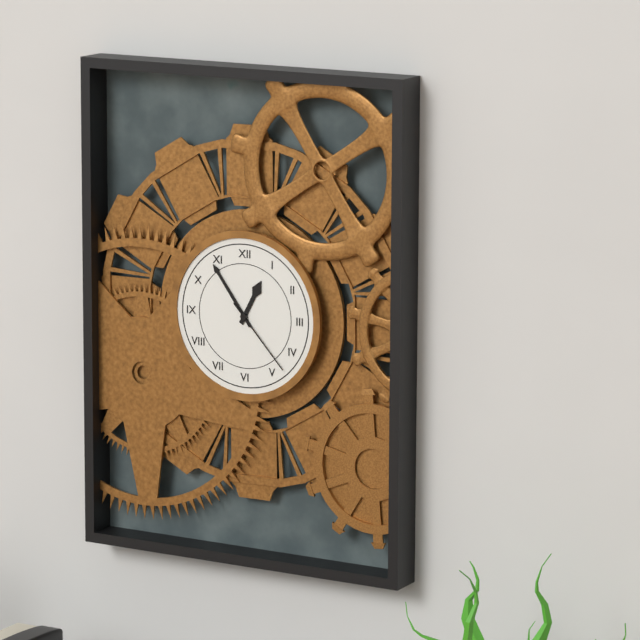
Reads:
12,54,23
